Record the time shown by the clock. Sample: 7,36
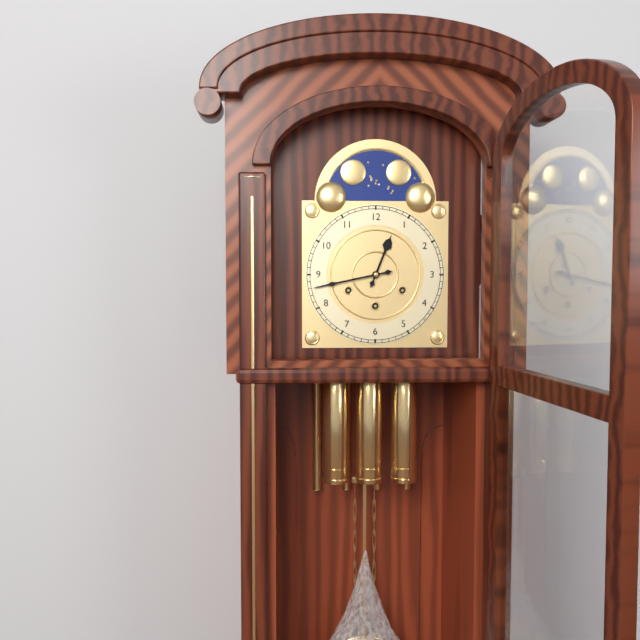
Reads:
12,43
